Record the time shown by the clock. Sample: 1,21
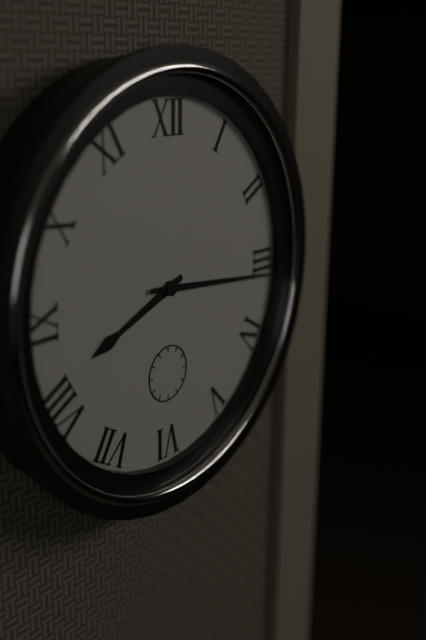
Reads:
8,16
